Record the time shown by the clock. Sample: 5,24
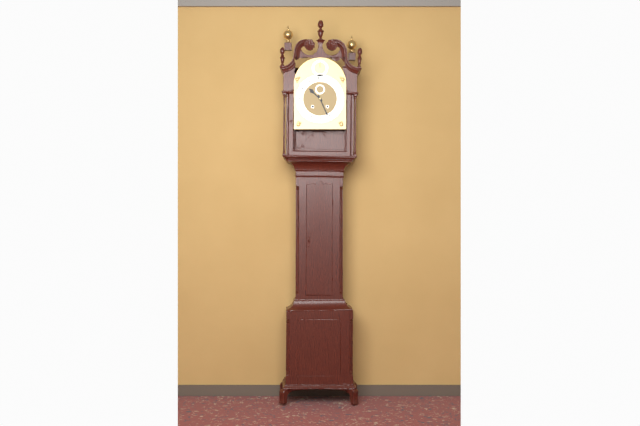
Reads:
10,26
